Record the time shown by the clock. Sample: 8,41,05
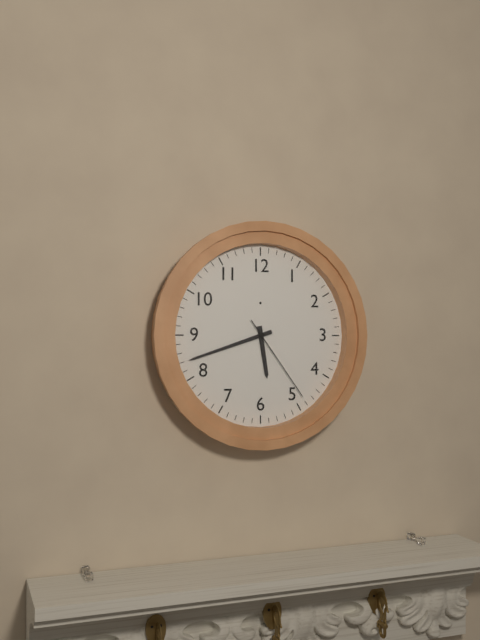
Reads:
5,42,24
